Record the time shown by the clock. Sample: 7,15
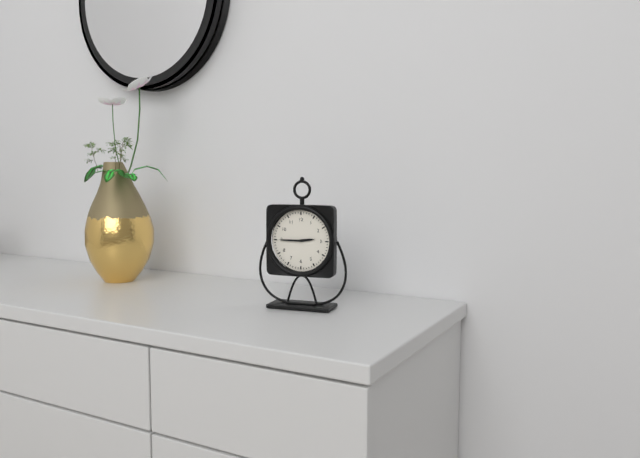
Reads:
2,45
